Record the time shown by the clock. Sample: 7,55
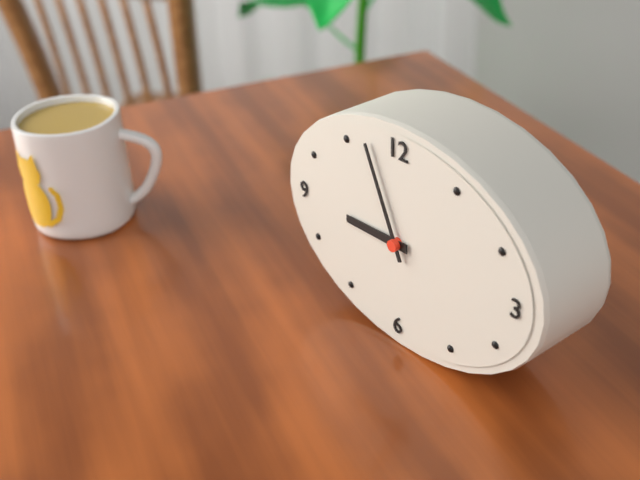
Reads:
8,56
